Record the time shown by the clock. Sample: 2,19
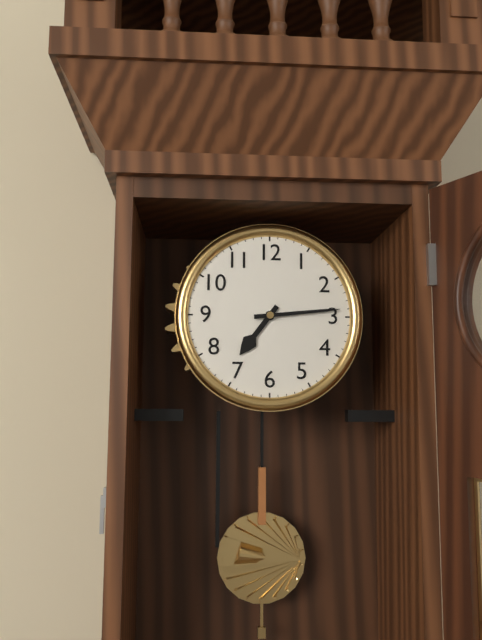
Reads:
7,14
